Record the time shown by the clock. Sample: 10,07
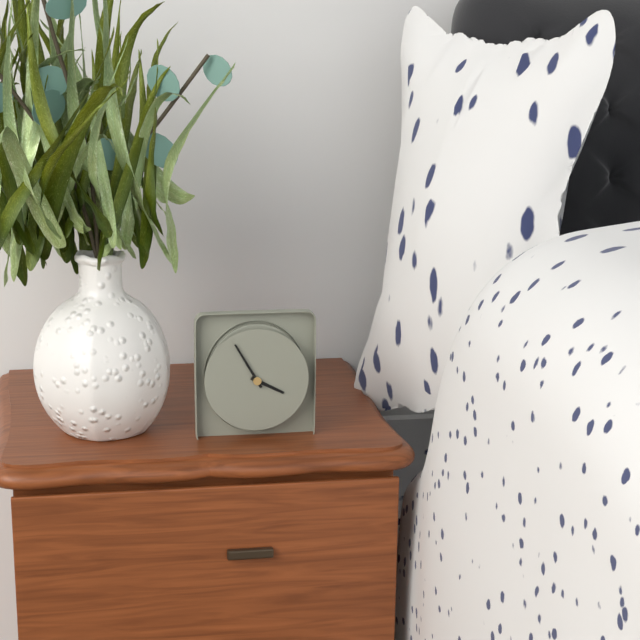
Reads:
3,55
